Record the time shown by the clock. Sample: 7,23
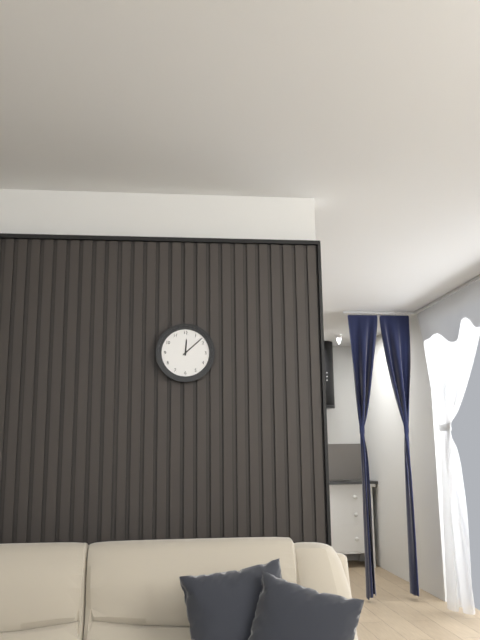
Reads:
12,08
